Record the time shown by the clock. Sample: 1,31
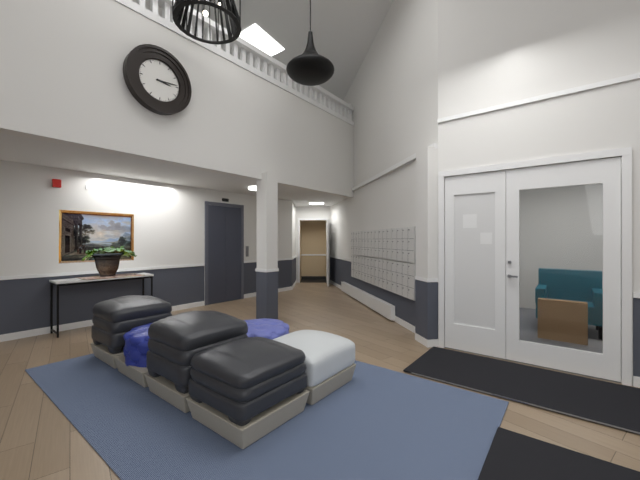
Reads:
3,14
